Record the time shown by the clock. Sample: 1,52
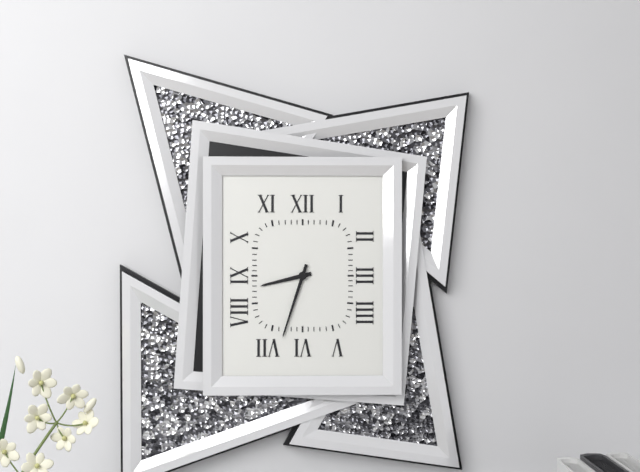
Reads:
8,33
